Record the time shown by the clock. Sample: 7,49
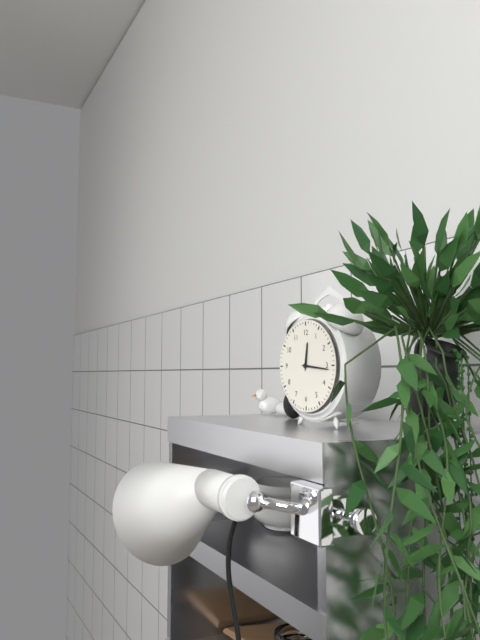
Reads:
12,16
